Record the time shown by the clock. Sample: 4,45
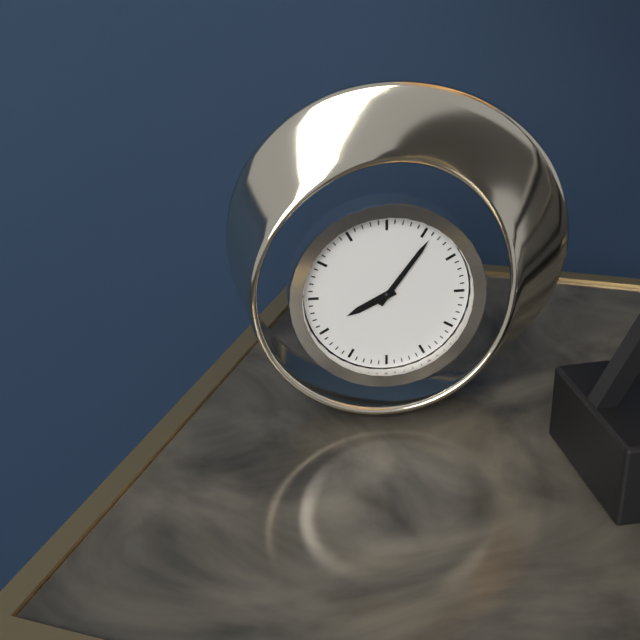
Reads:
8,06
